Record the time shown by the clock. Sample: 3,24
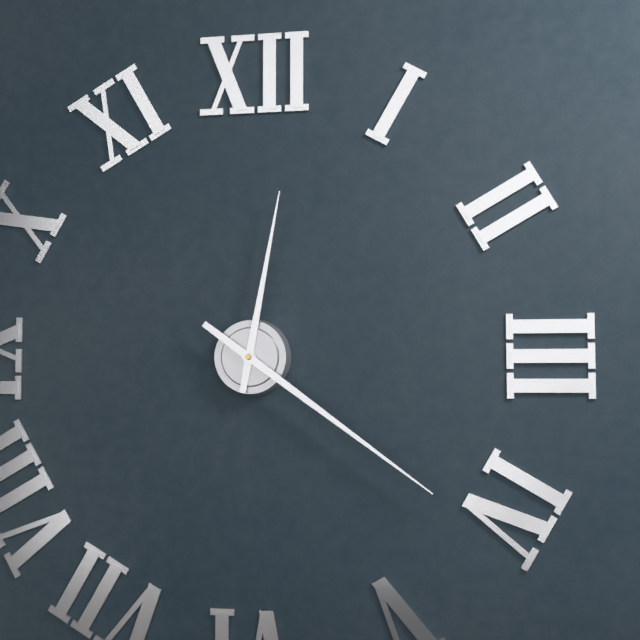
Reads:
12,21
